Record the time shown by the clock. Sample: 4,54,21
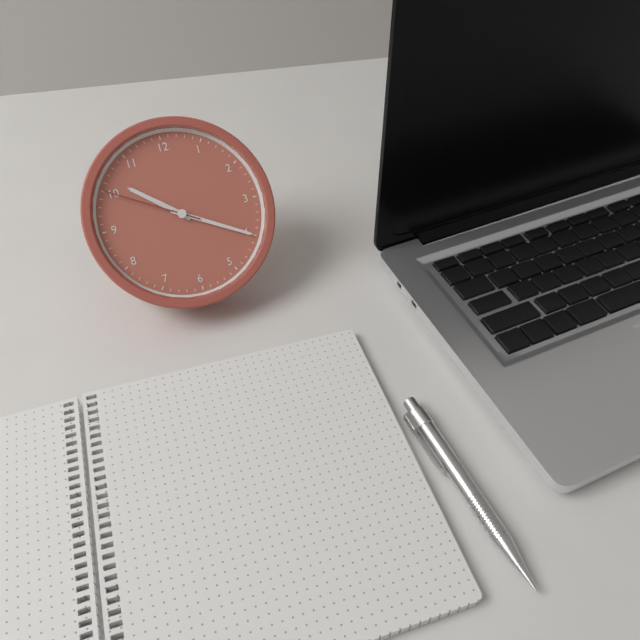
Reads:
10,20,50
